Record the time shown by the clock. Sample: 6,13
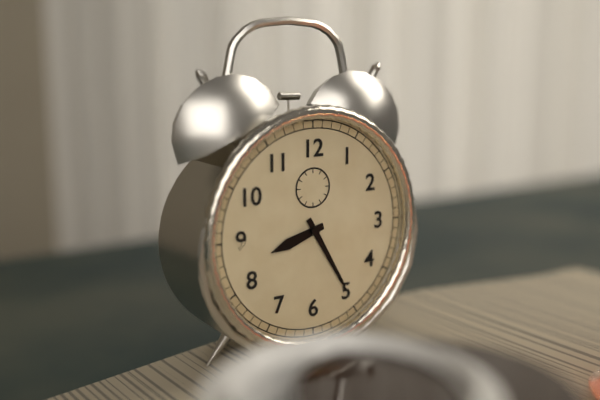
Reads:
8,25
